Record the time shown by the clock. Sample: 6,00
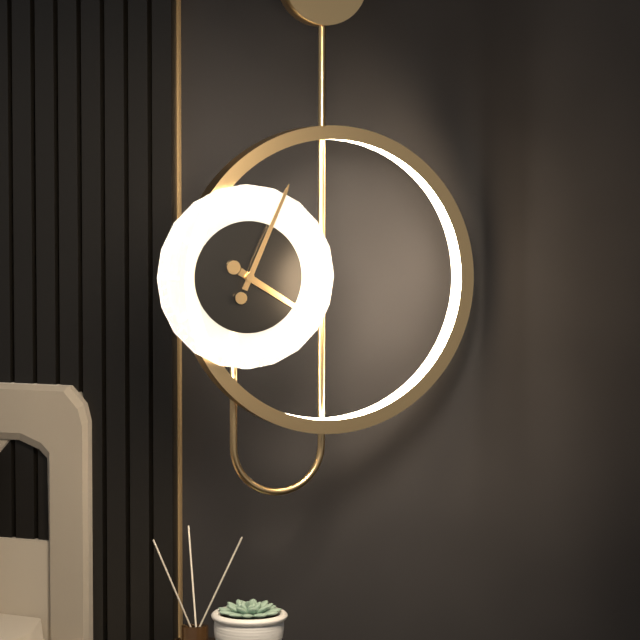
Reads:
4,04
